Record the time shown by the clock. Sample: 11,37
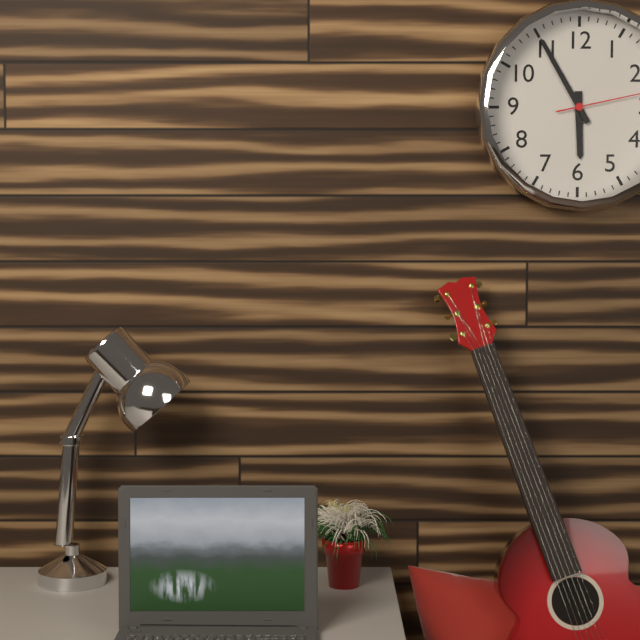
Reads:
5,55
